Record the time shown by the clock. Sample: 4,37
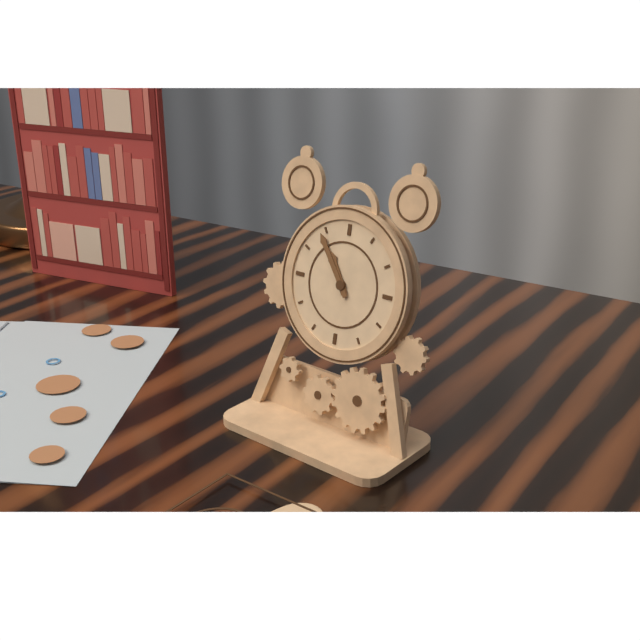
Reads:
10,54
